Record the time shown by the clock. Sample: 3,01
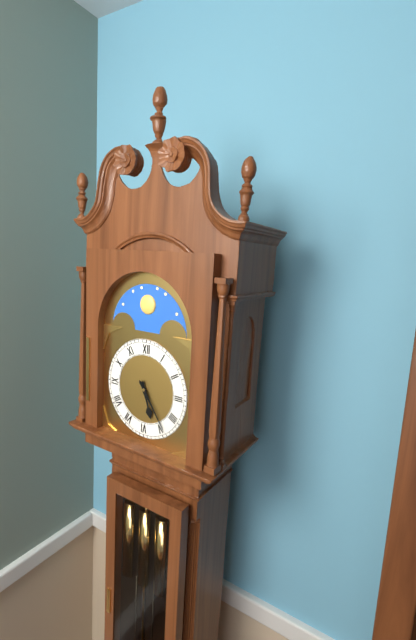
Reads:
5,24
